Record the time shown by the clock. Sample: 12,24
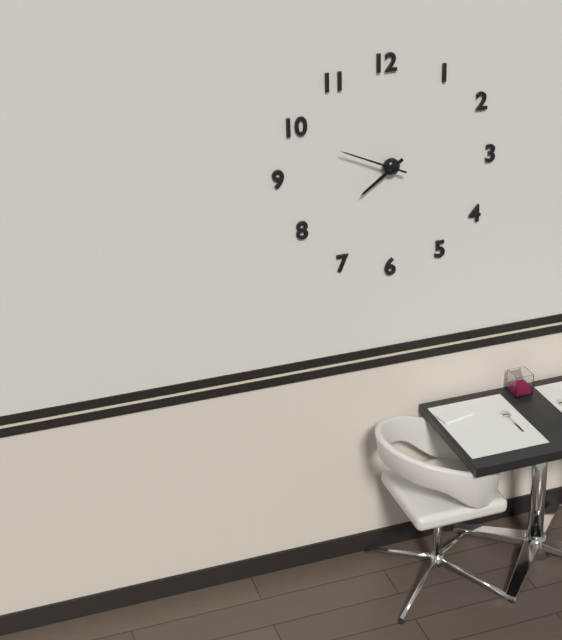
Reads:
7,49
